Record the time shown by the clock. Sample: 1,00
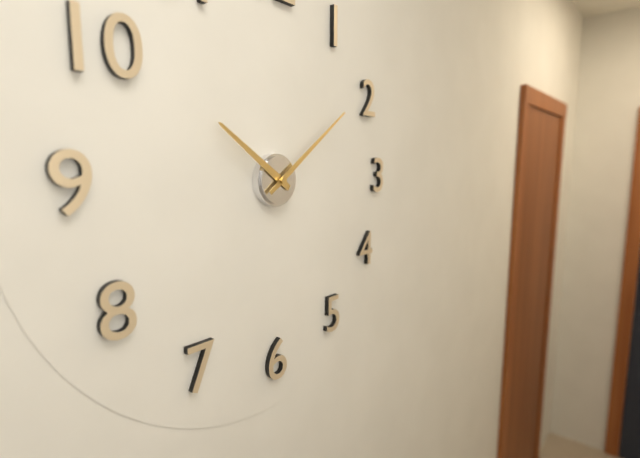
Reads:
10,09
